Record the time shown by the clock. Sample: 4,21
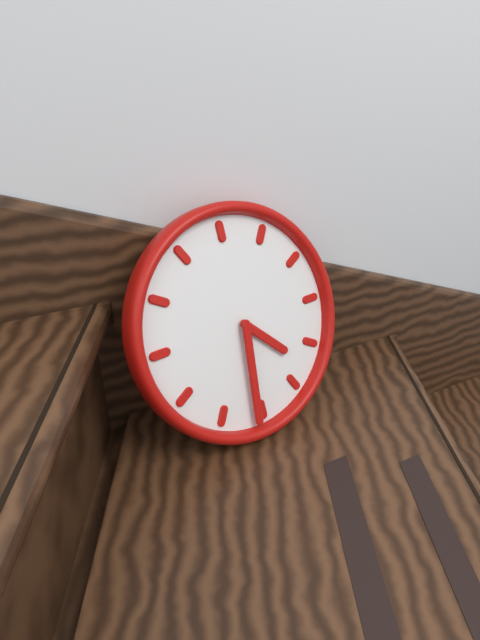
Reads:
4,31
